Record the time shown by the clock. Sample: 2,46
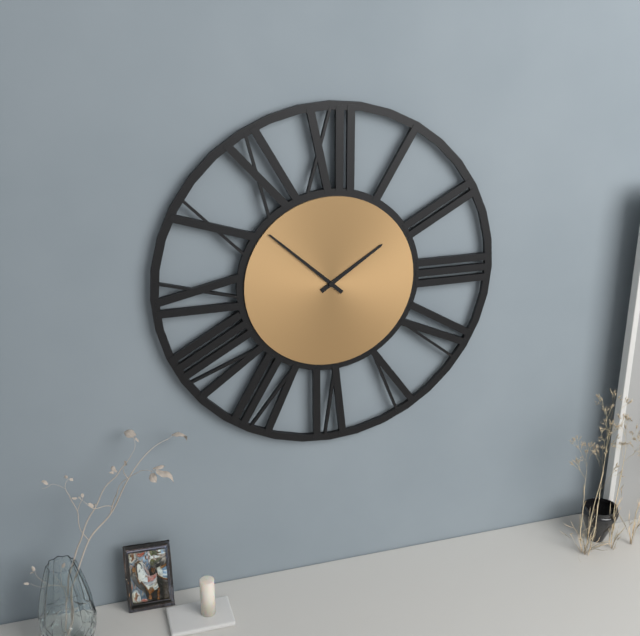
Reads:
1,52
